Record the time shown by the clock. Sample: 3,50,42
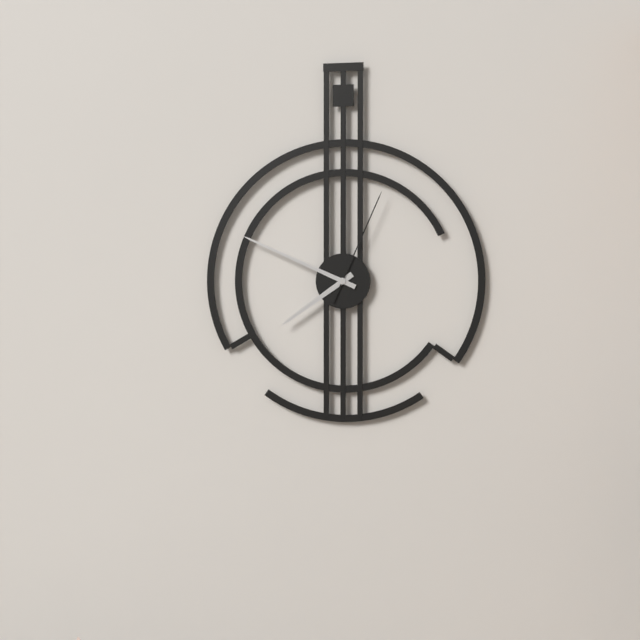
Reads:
7,49,04
